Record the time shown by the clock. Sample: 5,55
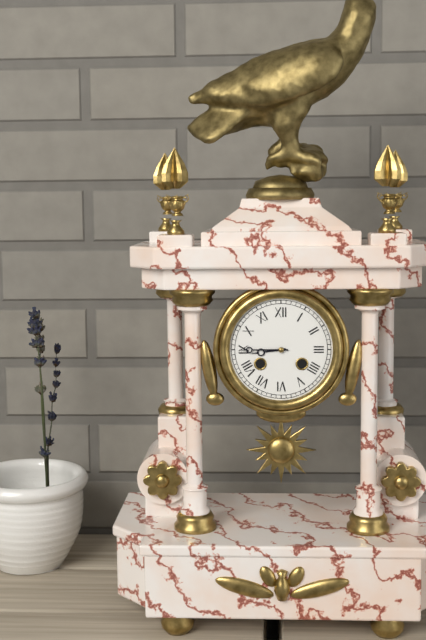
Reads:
8,45
